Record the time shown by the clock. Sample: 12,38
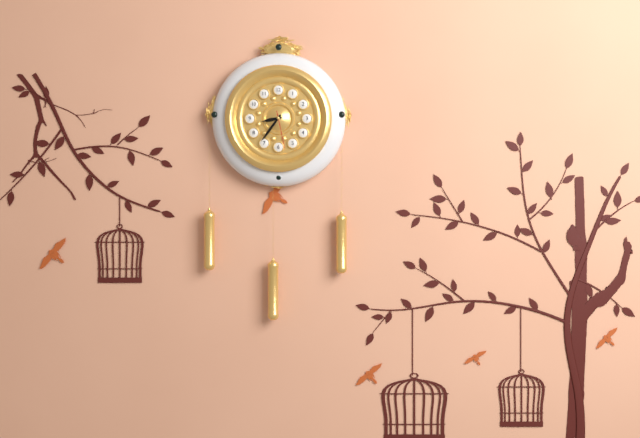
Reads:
8,36
